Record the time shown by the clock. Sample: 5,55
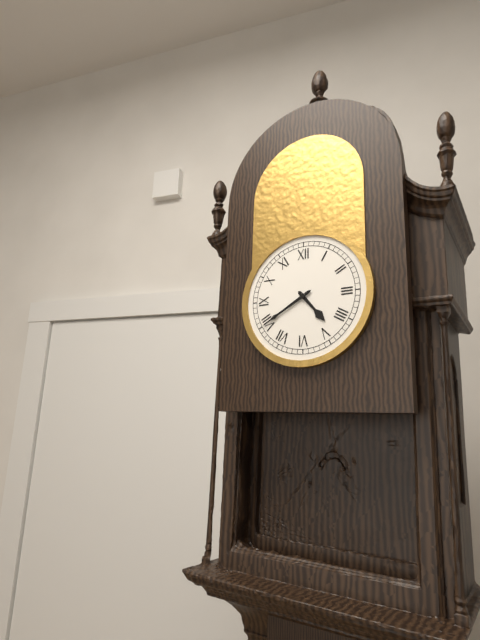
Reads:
4,40
